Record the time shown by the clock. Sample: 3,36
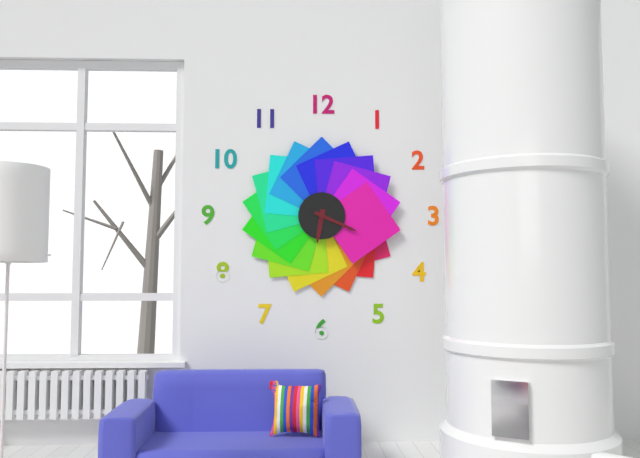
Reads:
6,19
